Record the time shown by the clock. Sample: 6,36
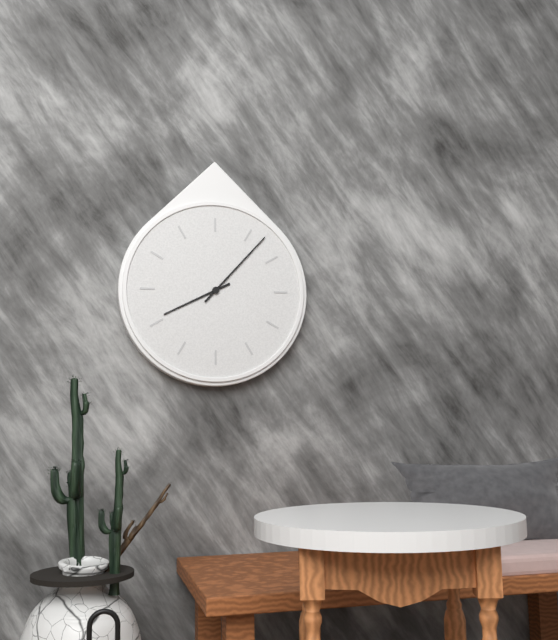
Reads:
8,07
